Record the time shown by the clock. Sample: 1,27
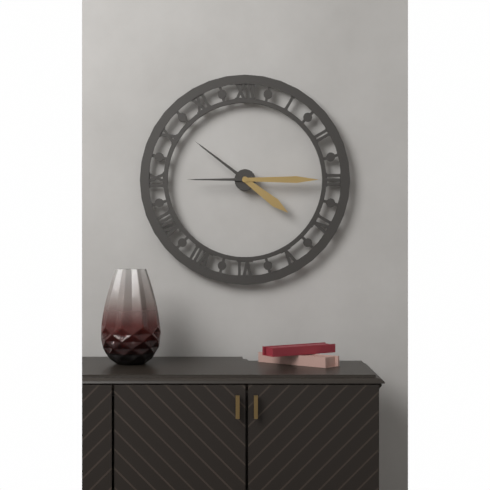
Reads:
4,15
